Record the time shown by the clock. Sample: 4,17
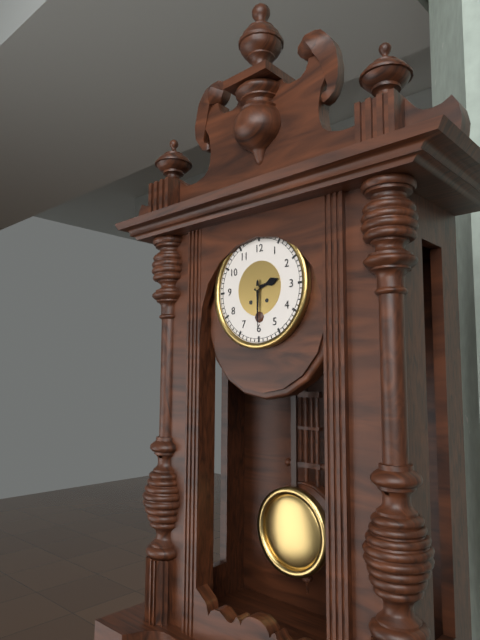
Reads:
2,30
